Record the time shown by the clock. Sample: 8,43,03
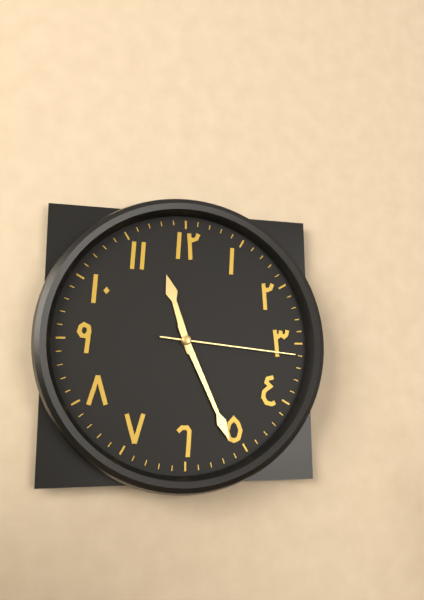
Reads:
11,26,16
